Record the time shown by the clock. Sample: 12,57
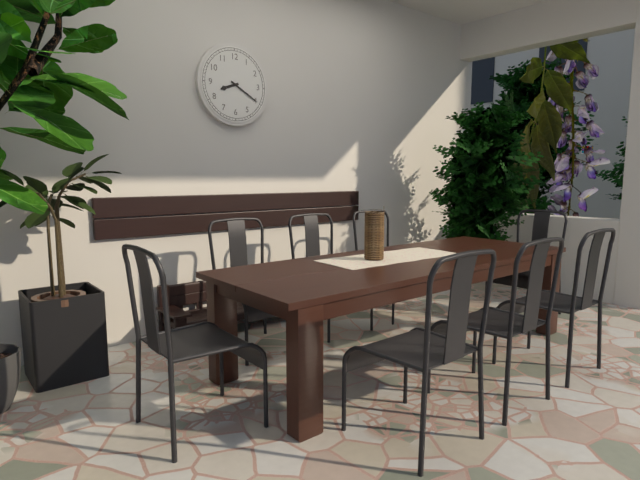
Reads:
8,20
